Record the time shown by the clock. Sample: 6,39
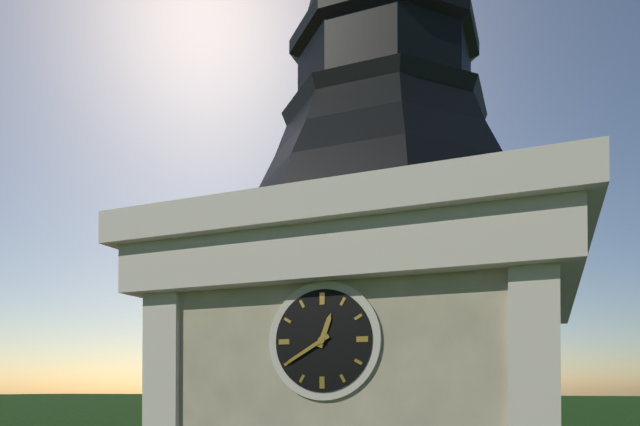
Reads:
12,40
